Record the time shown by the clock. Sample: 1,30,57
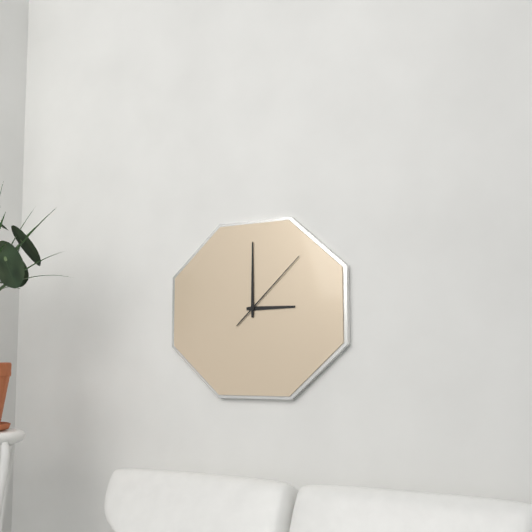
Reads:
3,00,08
